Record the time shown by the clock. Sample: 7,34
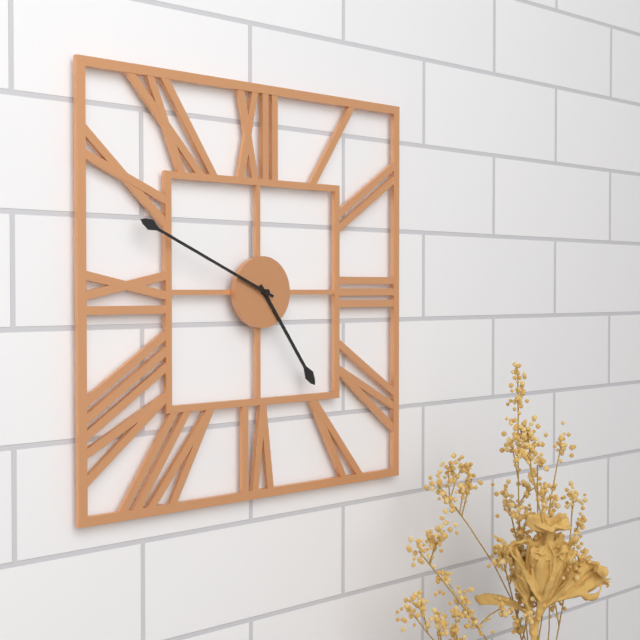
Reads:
4,49
